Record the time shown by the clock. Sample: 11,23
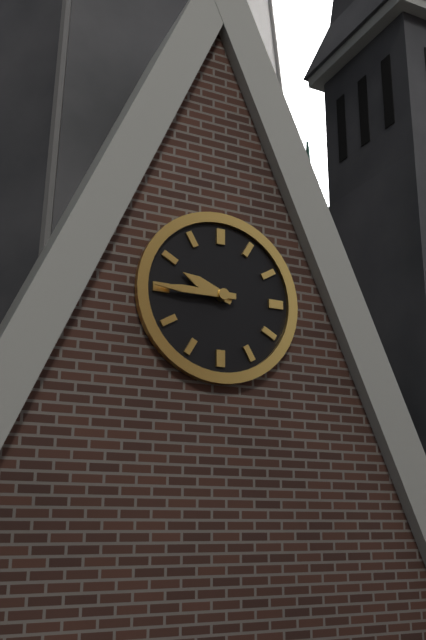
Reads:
9,45
